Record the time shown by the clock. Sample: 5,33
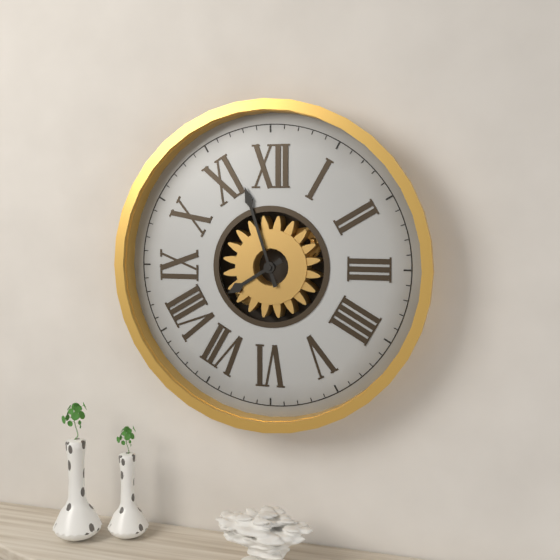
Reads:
7,57
